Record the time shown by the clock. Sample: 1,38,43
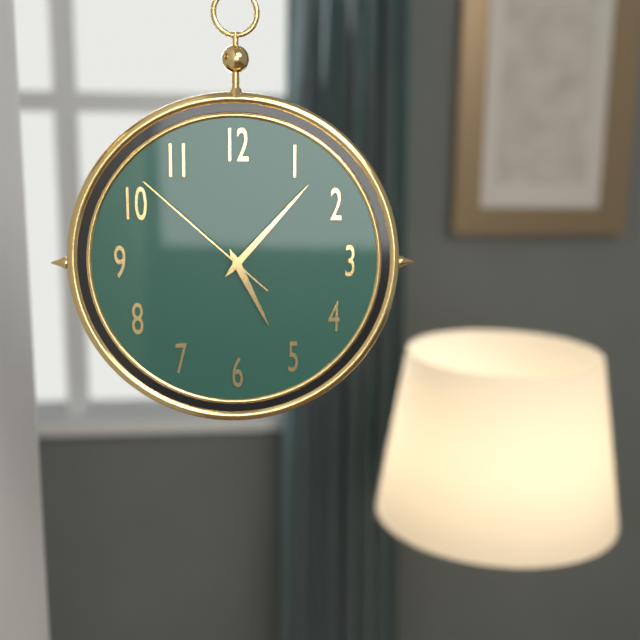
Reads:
5,07,52
